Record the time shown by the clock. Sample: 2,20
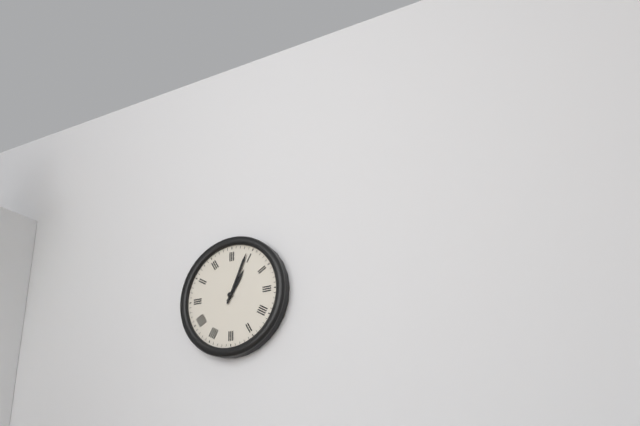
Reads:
1,04
